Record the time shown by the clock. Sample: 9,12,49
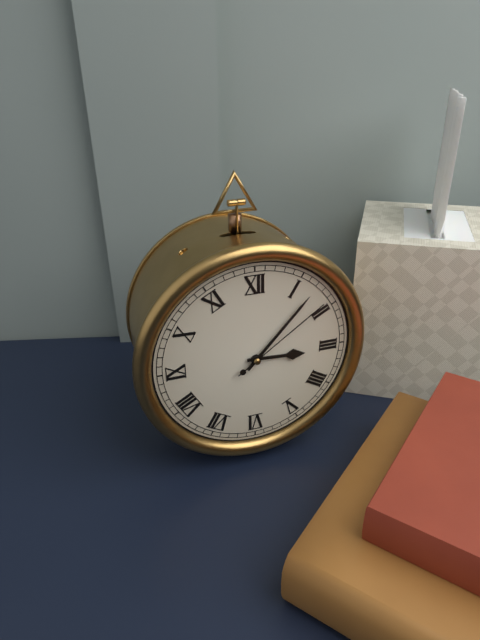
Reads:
3,07,09
